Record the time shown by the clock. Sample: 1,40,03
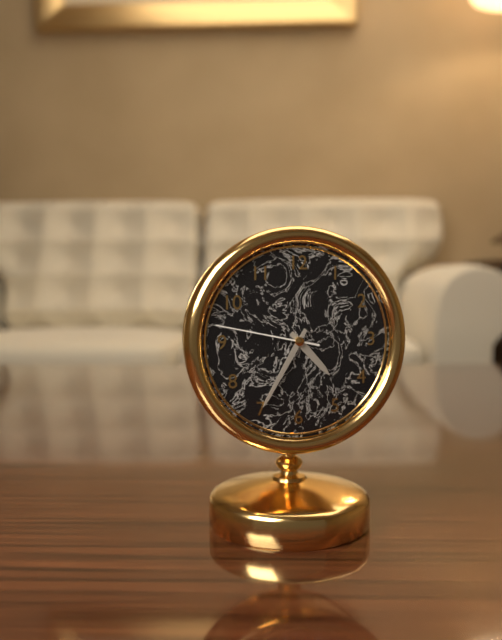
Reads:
4,35,47
